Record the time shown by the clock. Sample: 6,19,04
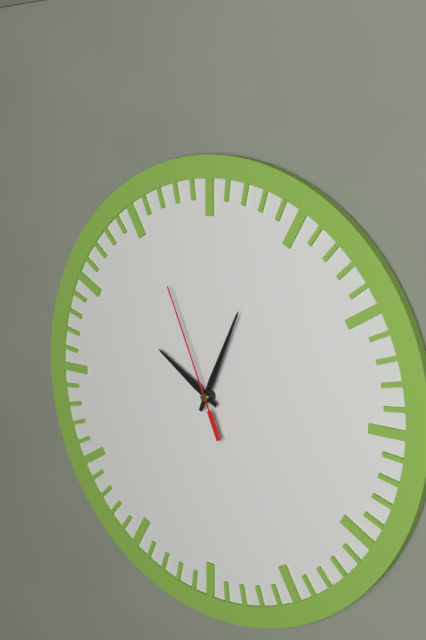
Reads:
10,04,56
